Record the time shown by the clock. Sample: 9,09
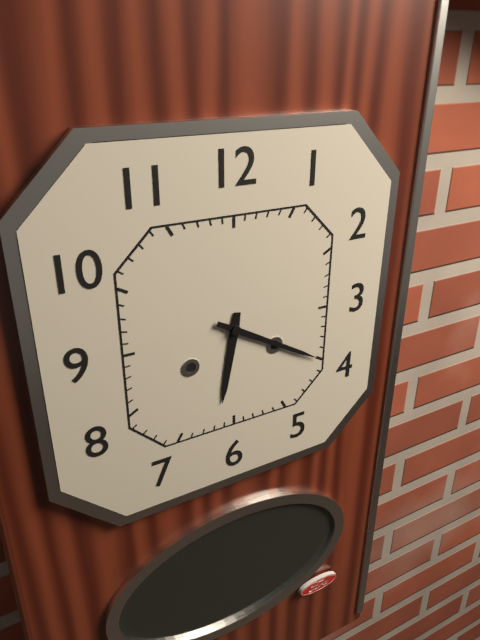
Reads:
6,20
